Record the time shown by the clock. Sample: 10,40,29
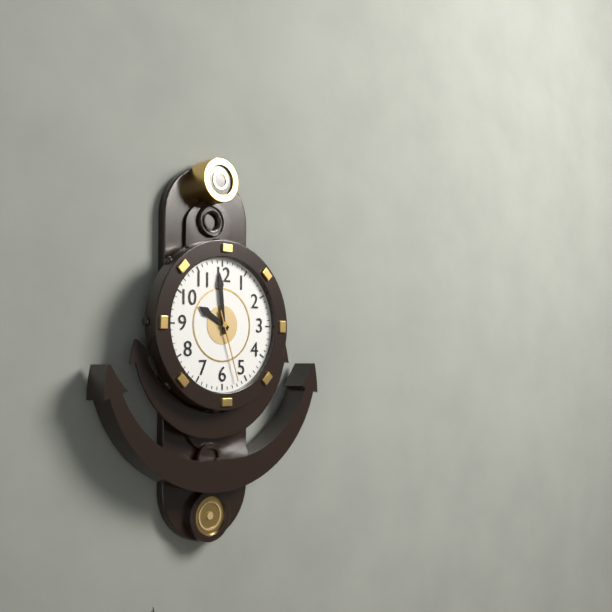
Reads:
9,59,27
